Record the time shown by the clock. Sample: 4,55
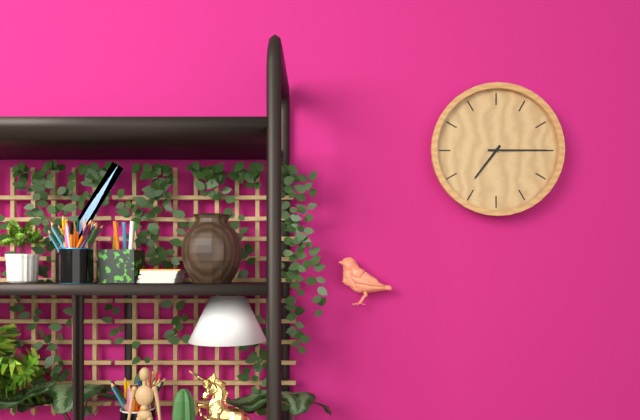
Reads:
7,15
